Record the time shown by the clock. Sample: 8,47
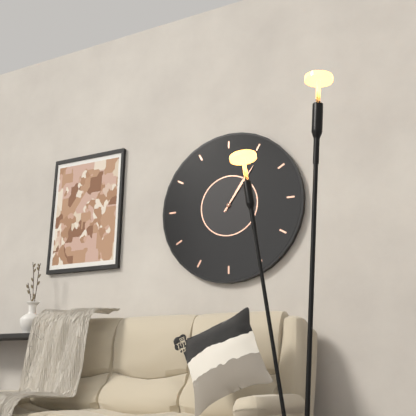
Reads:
1,06
